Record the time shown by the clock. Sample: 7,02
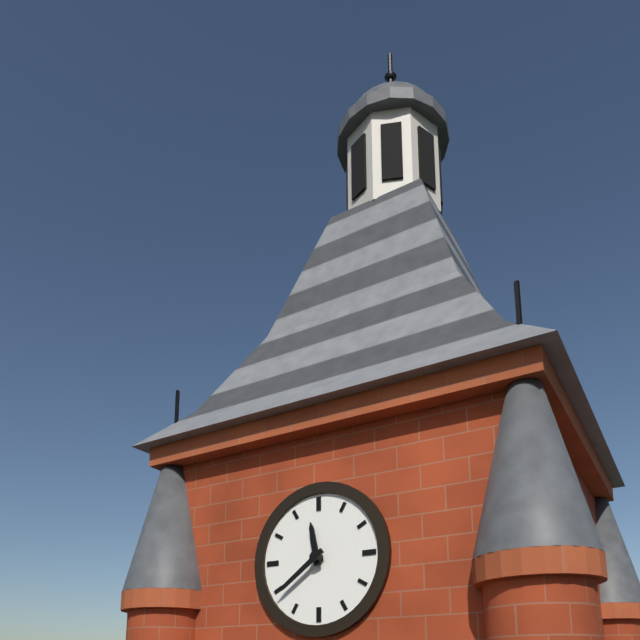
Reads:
11,39
